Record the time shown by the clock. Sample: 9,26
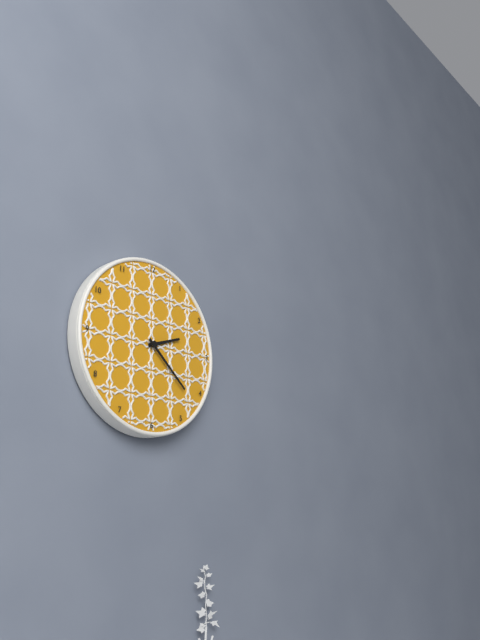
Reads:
2,22
